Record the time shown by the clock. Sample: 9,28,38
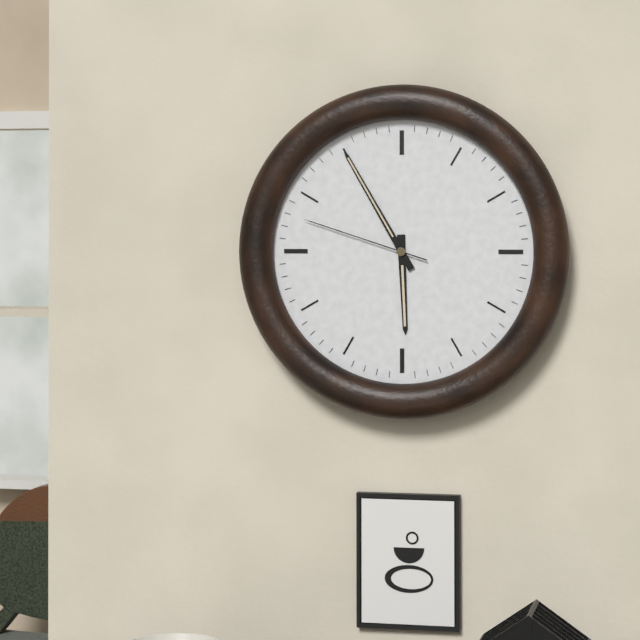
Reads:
5,55,48
